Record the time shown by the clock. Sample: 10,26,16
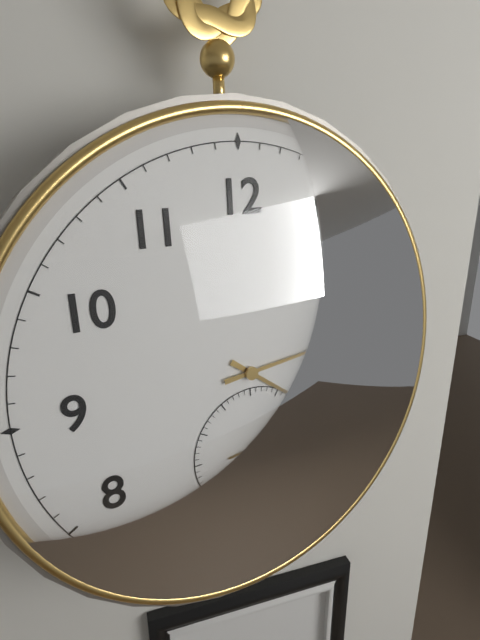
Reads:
4,14,14
